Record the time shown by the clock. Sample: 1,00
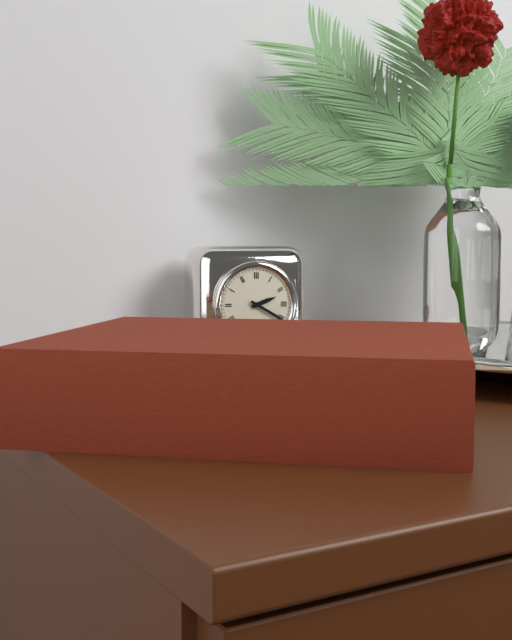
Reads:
2,20
